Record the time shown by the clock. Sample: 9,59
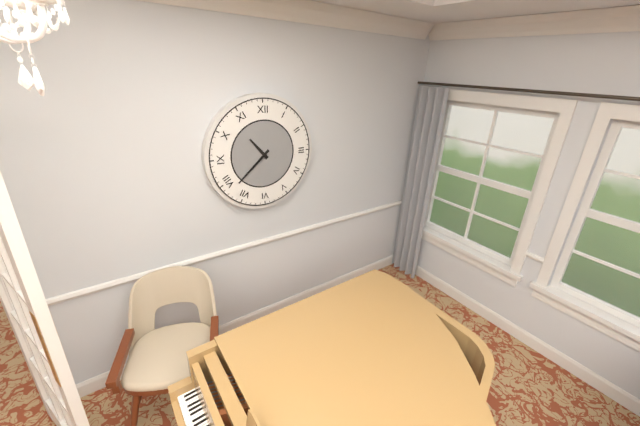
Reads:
10,38
